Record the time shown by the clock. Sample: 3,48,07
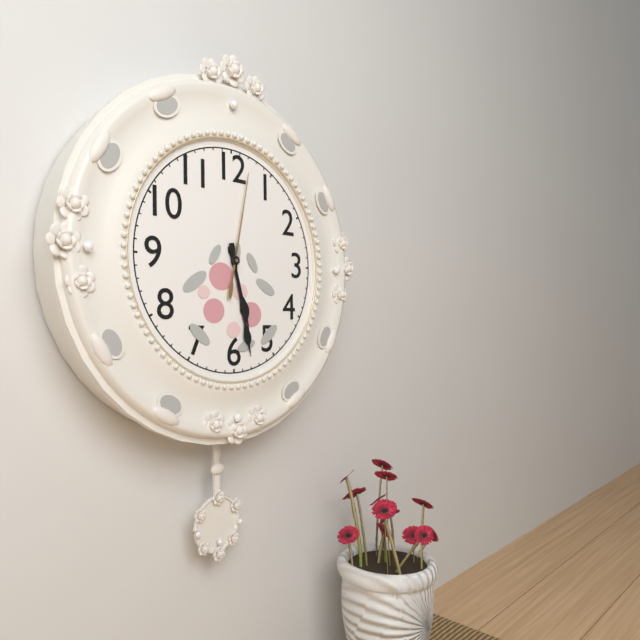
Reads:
5,28,02
